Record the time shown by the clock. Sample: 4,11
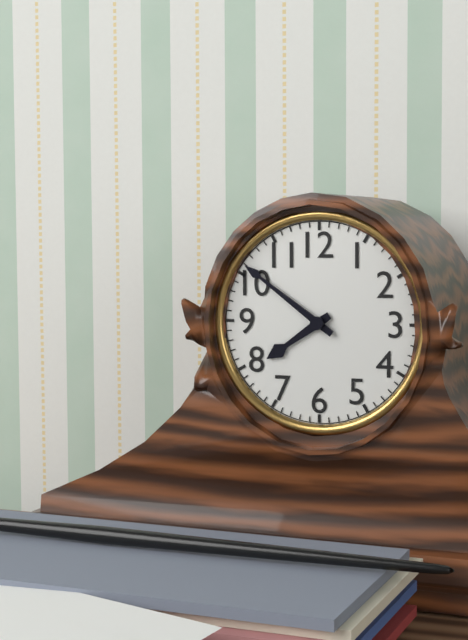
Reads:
7,51
